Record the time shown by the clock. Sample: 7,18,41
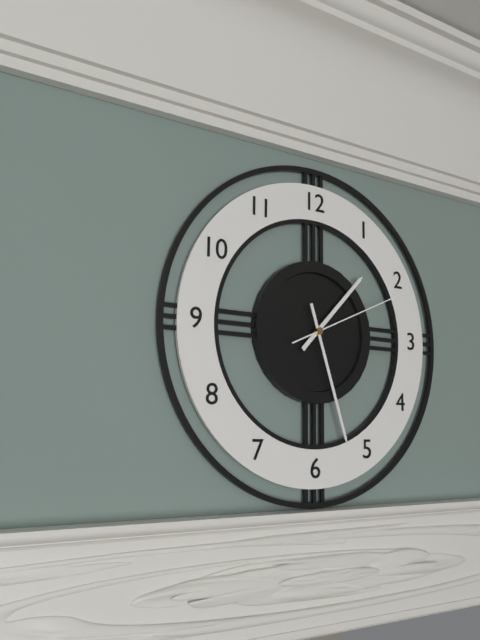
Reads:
1,27,11
